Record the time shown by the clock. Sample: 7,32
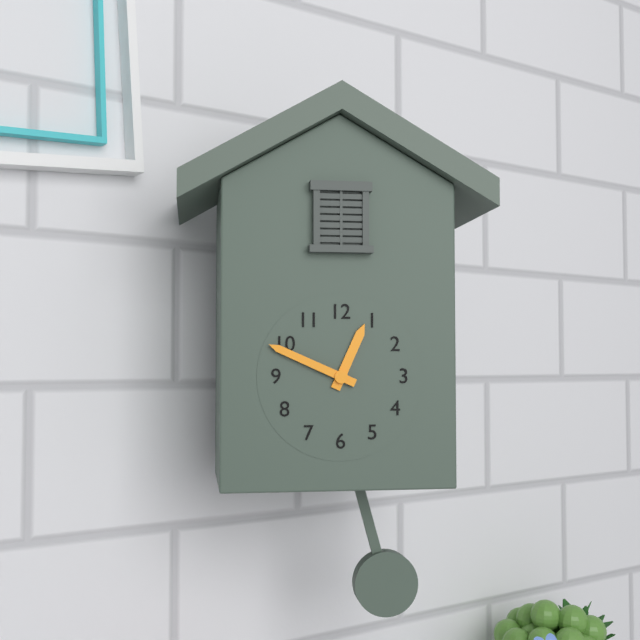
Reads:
12,49
